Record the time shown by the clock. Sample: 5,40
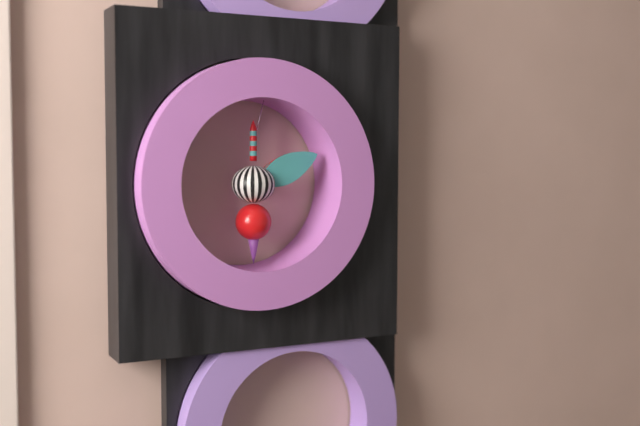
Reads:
2,11
